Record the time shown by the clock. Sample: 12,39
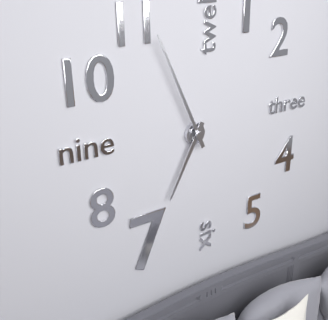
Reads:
6,56
